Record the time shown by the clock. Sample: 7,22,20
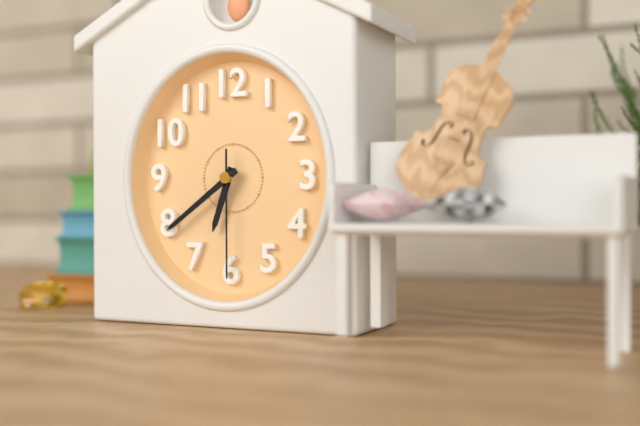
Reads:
6,39,30
